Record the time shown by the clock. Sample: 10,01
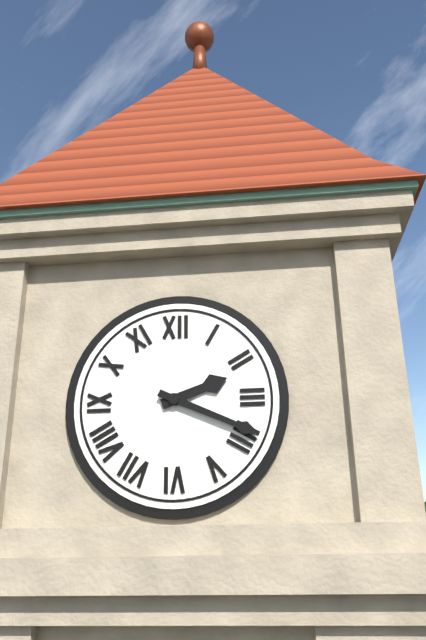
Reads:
2,19
